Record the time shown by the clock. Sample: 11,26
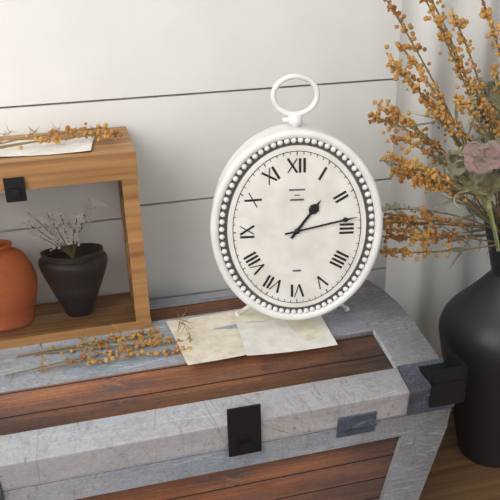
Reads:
1,13
